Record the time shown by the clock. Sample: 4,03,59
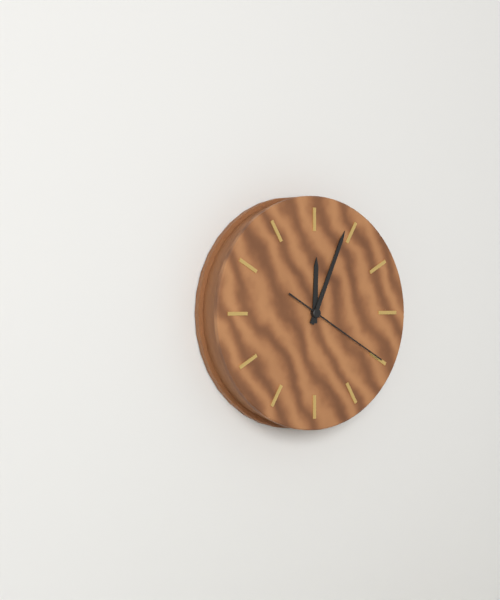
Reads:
12,04,20
